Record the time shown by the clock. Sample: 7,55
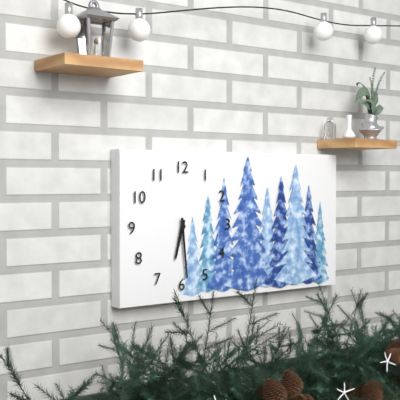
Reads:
6,29
